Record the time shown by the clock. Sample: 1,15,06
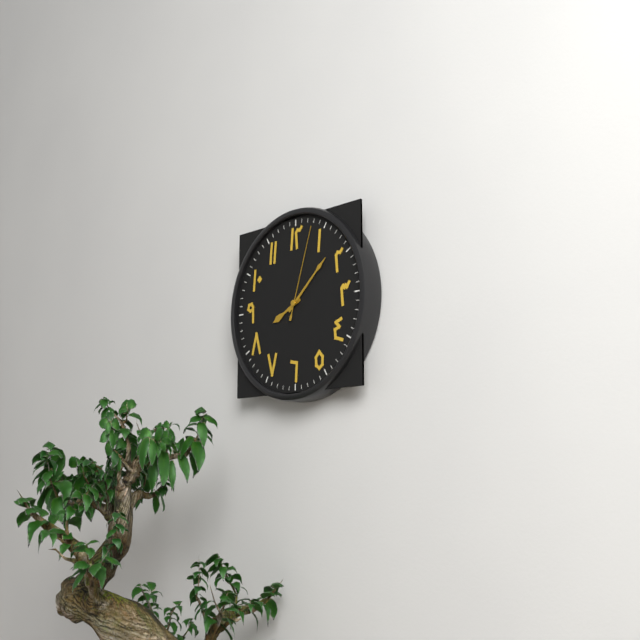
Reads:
8,08,03
